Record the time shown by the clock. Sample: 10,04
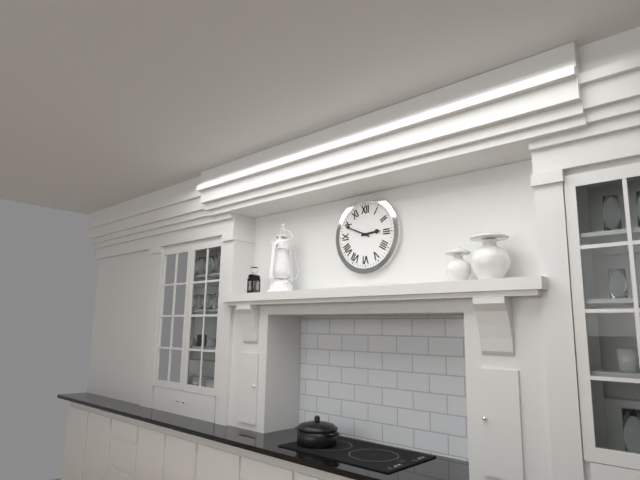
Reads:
2,49
